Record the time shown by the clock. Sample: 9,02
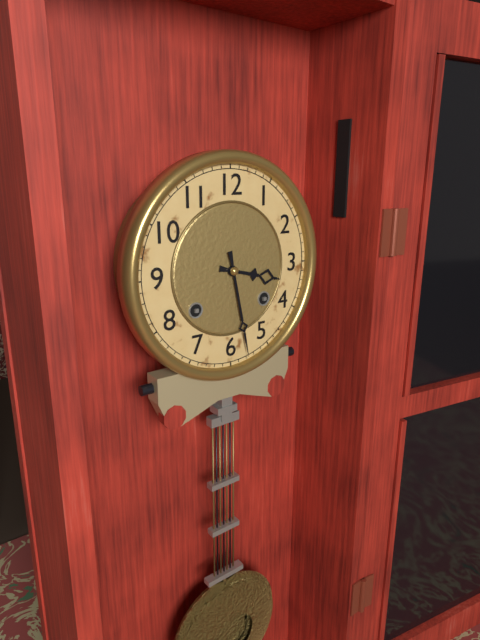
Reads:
3,28
